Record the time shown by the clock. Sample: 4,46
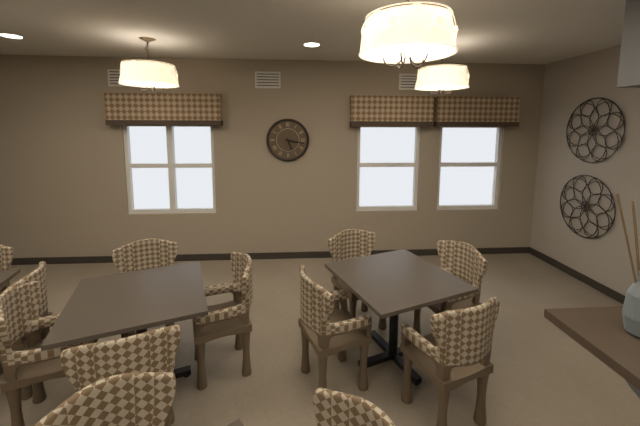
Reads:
5,17
